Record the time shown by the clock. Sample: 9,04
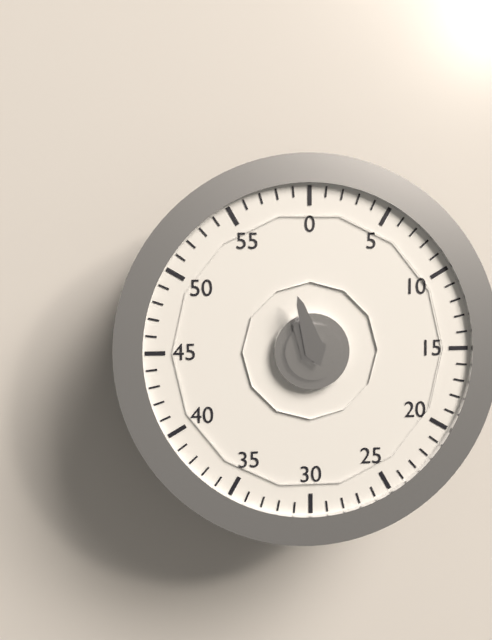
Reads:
10,57
